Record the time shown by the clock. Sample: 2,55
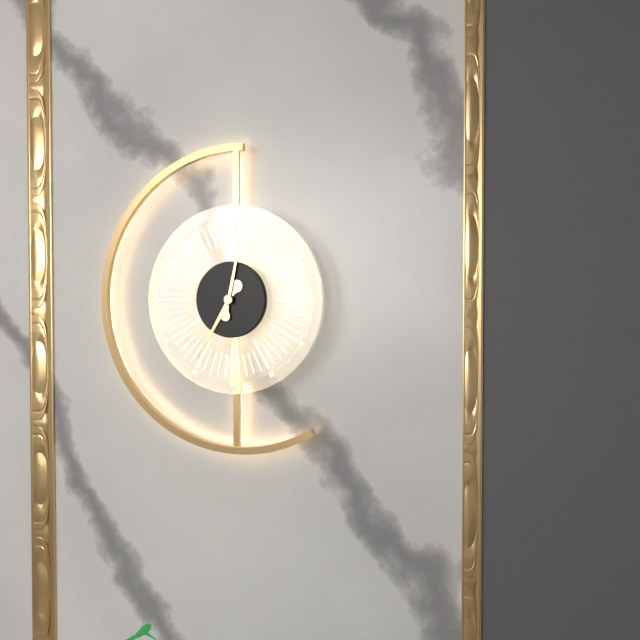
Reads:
7,02
